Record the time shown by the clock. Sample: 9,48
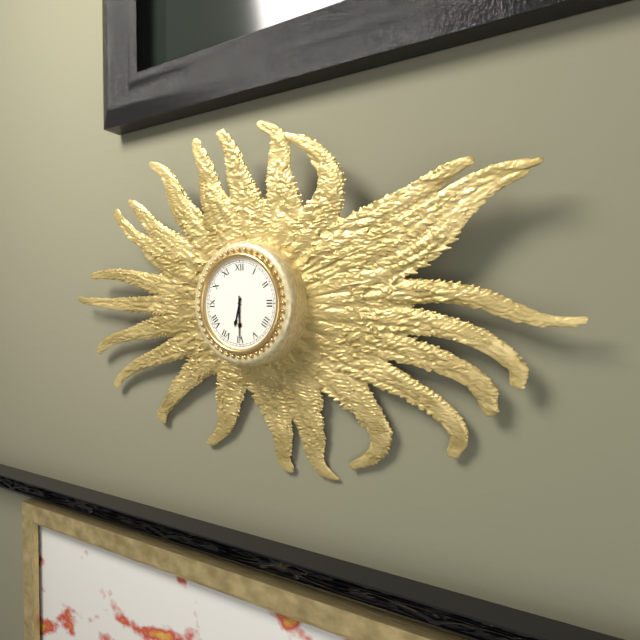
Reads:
6,30
